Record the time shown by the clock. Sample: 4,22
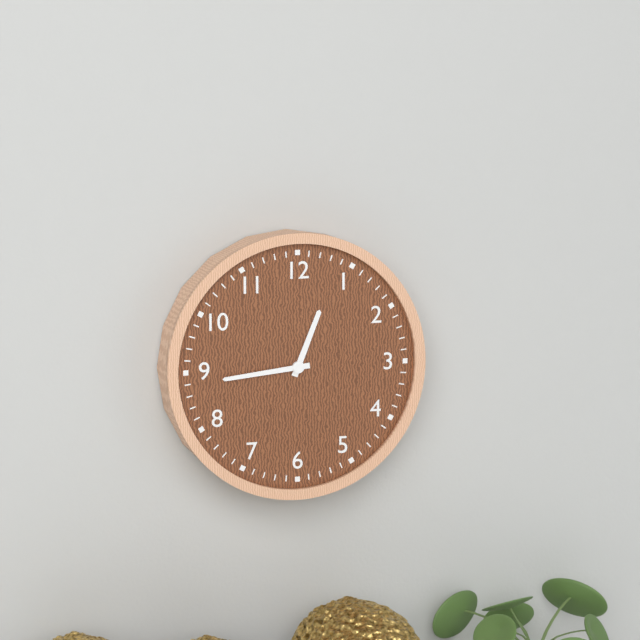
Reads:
12,44
